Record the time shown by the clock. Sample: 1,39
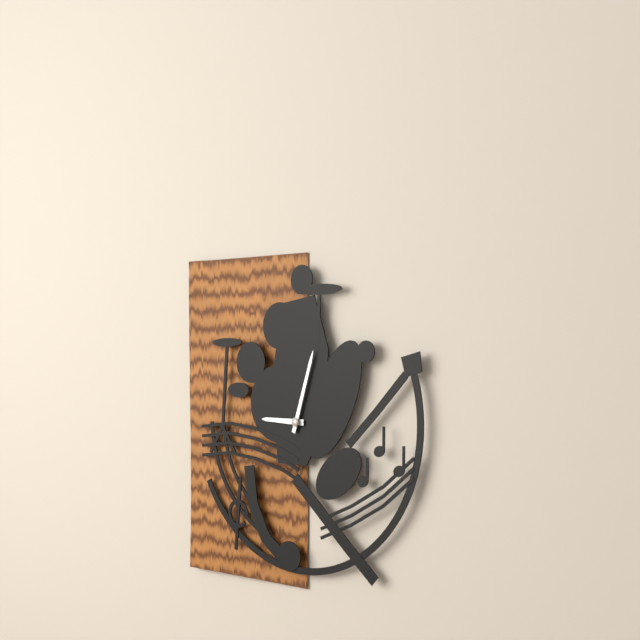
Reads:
9,03
